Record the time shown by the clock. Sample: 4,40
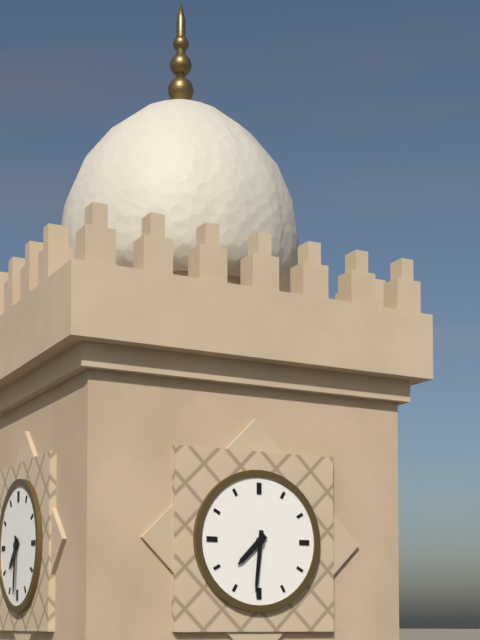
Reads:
7,31
